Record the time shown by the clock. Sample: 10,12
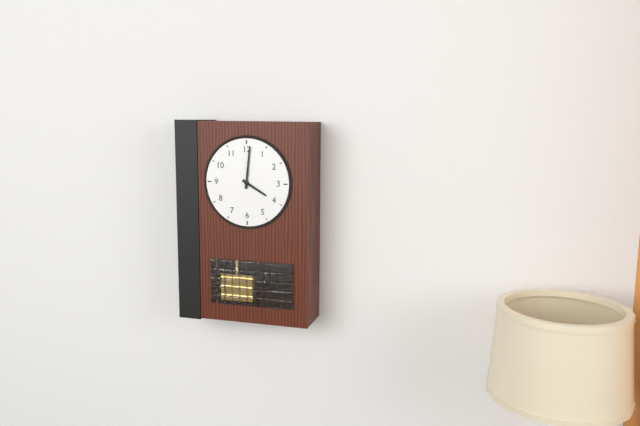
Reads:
4,01
